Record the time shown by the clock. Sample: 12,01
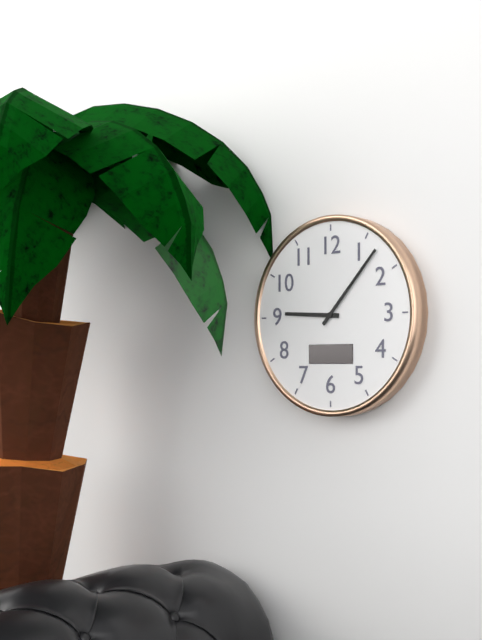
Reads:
9,07
